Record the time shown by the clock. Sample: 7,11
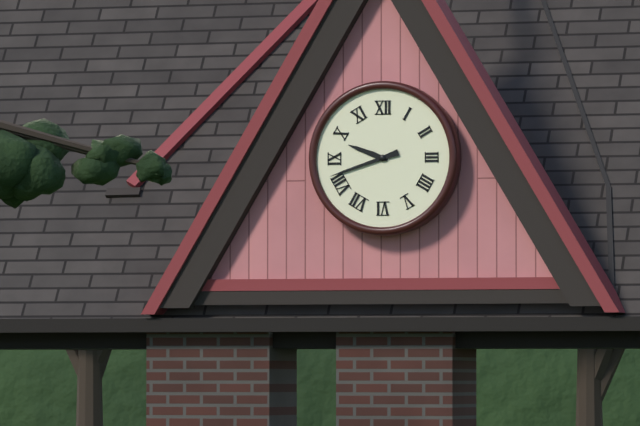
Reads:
9,42
